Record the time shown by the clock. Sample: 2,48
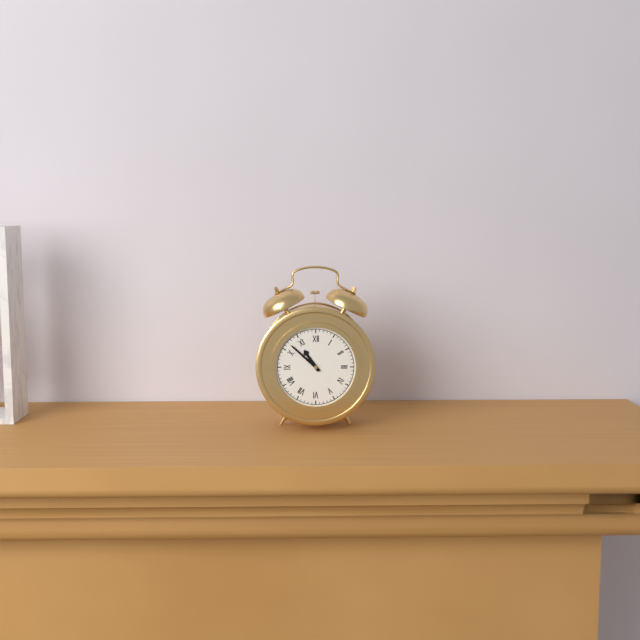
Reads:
10,52
